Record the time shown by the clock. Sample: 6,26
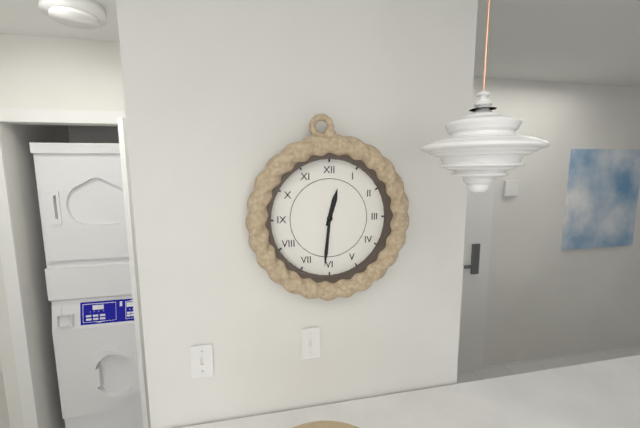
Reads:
12,31
